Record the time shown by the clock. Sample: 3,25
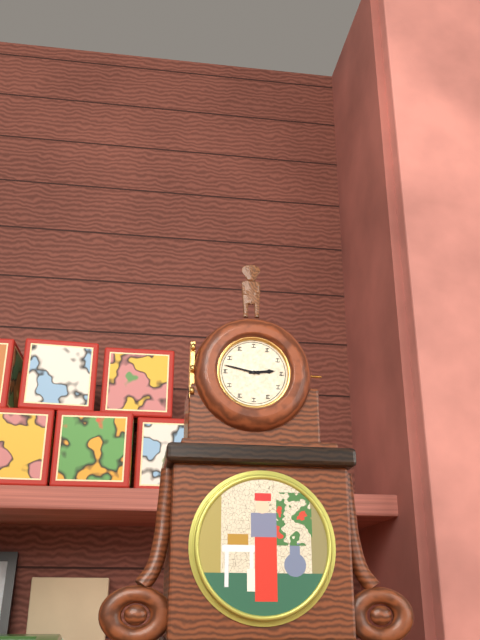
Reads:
2,47
